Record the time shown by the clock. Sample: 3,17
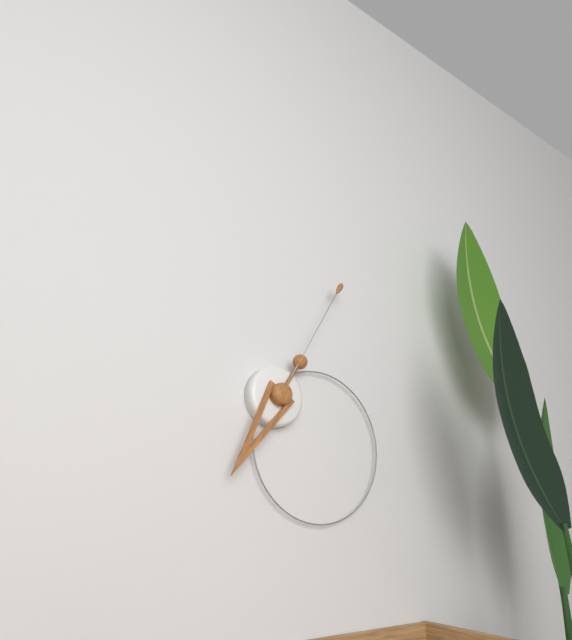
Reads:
7,05
